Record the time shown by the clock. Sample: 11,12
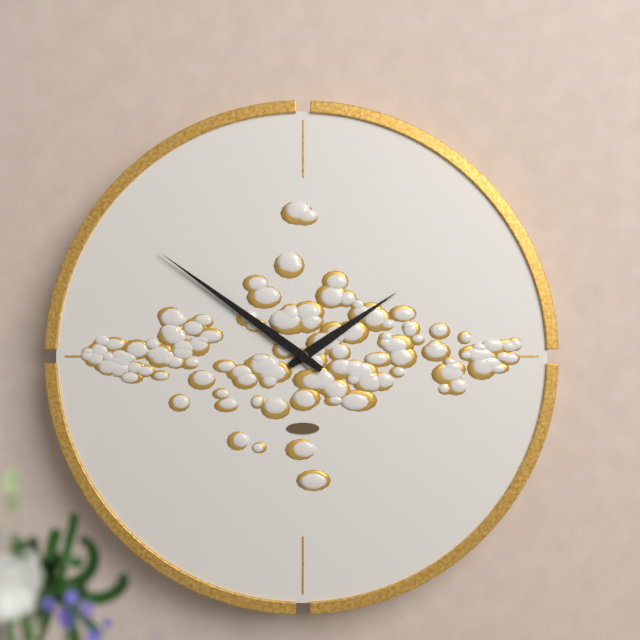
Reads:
1,51
